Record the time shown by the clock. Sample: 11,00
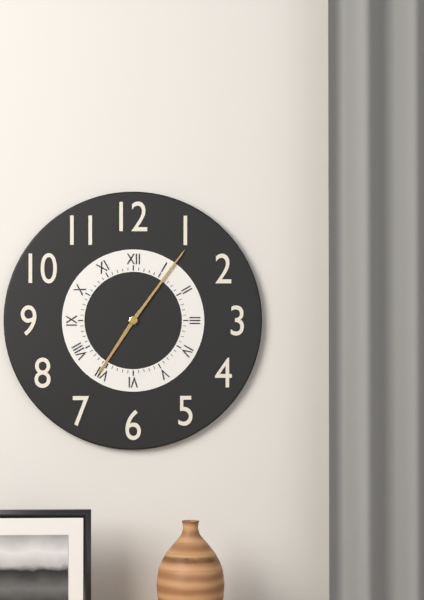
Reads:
7,06
